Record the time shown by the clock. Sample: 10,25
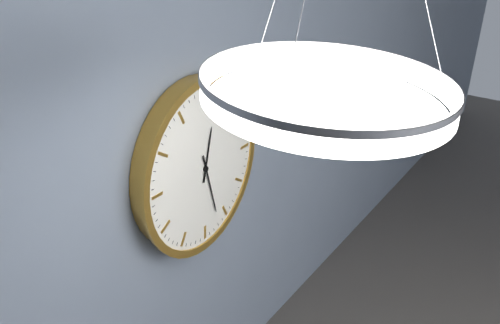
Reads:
12,27
